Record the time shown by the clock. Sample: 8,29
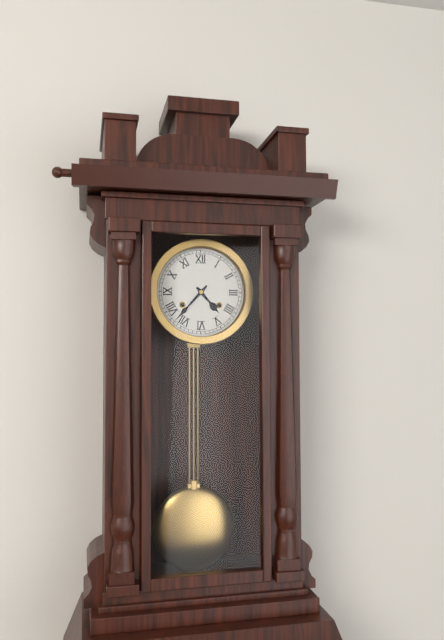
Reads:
4,37
